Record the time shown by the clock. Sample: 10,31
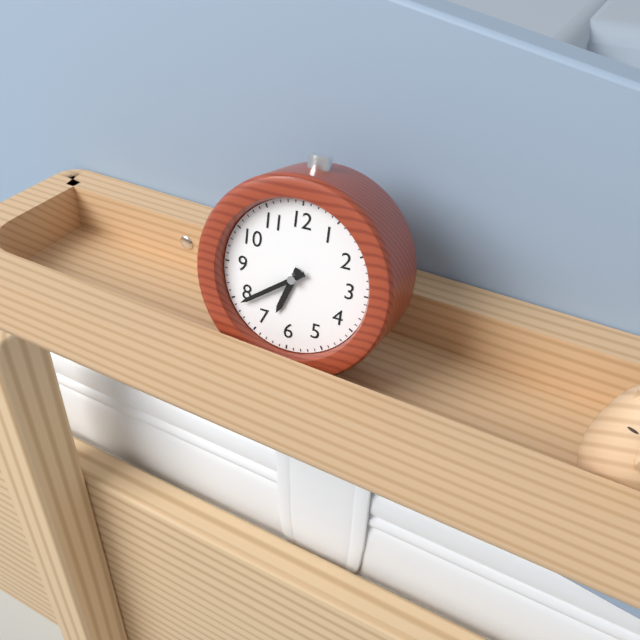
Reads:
6,39
